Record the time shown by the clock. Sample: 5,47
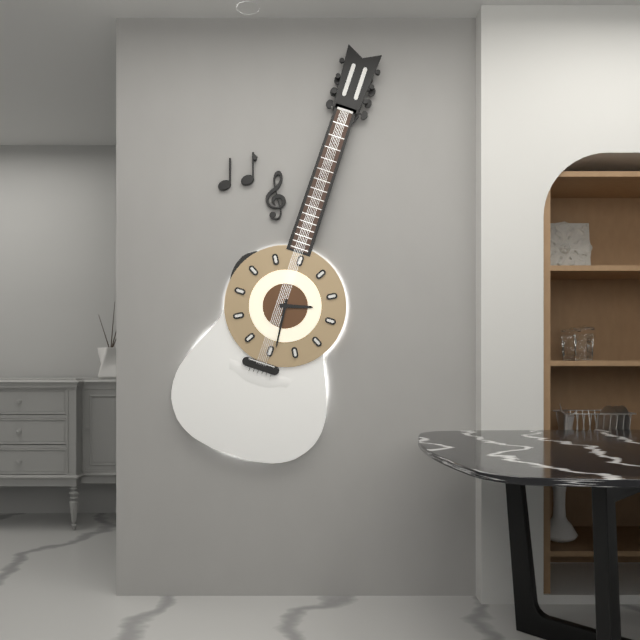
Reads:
2,29
